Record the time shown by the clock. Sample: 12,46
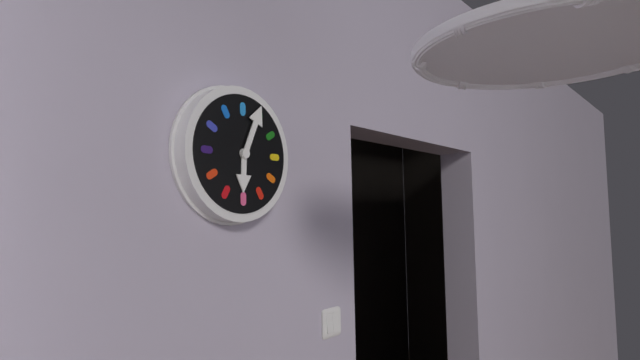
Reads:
6,04
